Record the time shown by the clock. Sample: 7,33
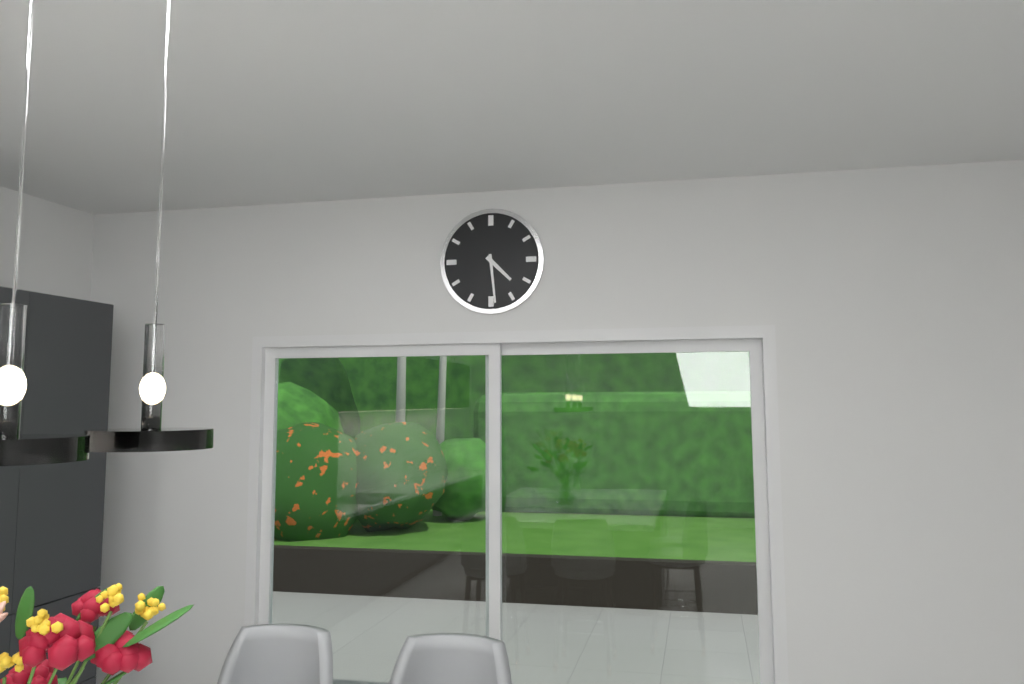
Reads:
4,29
